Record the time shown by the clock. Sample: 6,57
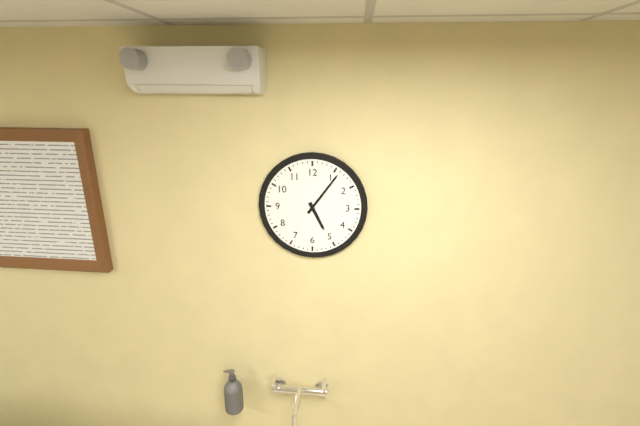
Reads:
5,06
